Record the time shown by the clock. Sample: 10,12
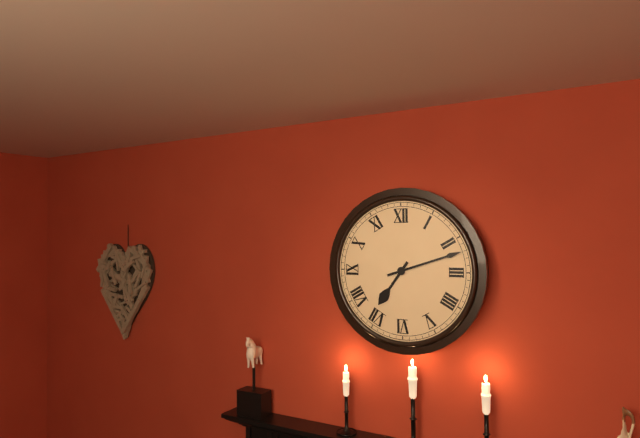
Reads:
7,12
